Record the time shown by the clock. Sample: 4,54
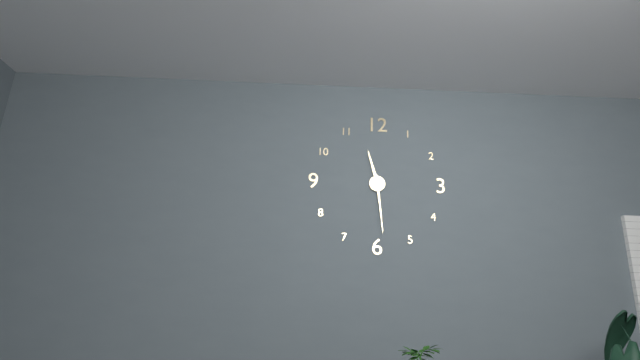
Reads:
11,29
